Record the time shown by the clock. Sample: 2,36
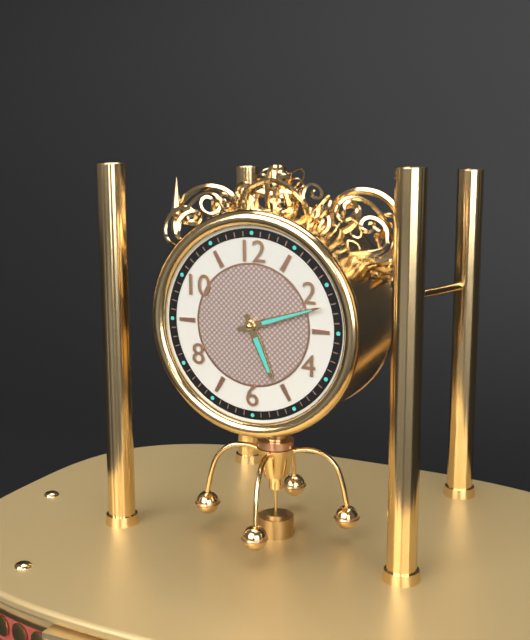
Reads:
5,12
